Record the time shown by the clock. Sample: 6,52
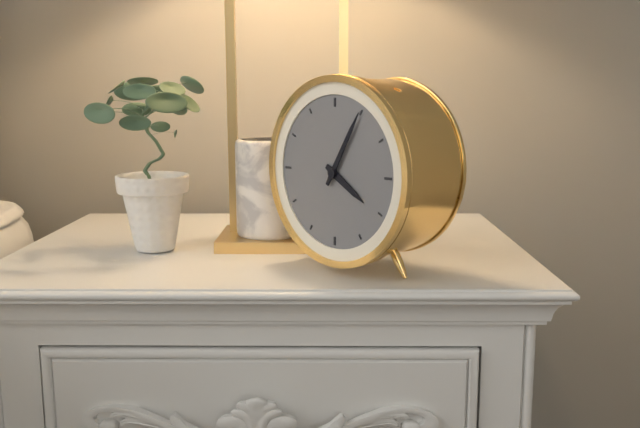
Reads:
4,05
